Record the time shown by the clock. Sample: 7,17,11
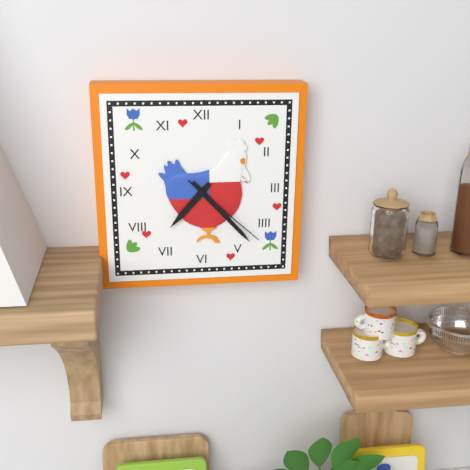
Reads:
7,23,22
